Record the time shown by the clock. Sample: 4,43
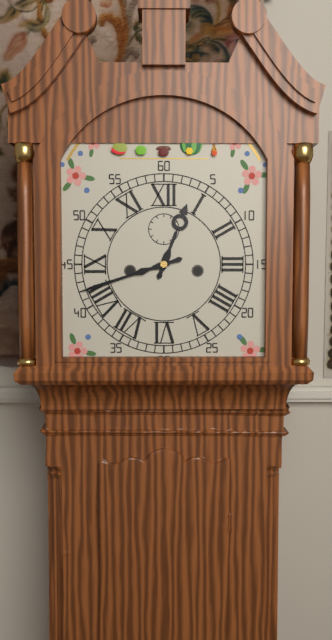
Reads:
12,42
